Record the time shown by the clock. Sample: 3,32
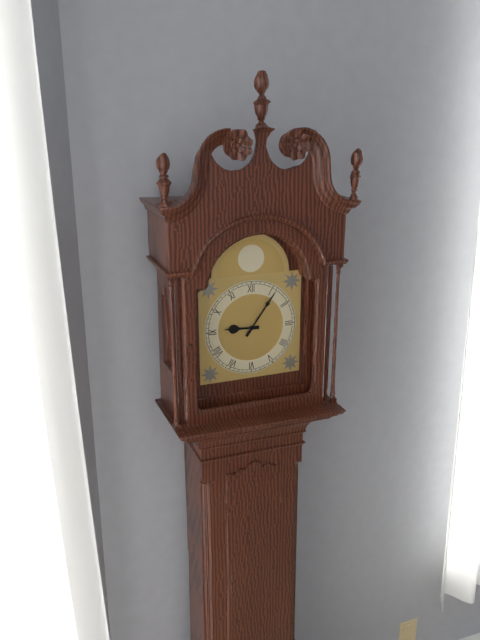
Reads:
9,06
